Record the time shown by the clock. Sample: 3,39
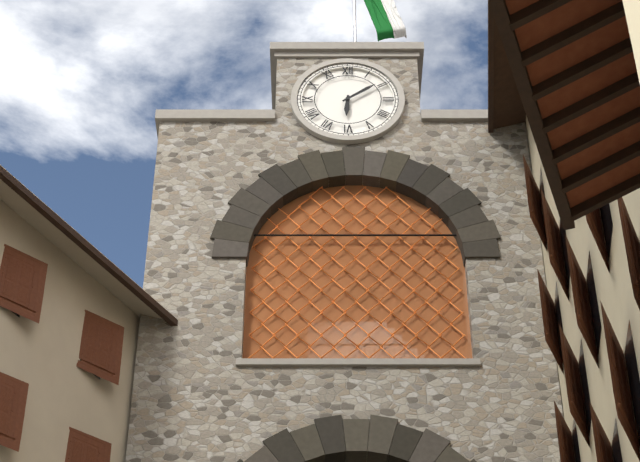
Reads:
6,09
